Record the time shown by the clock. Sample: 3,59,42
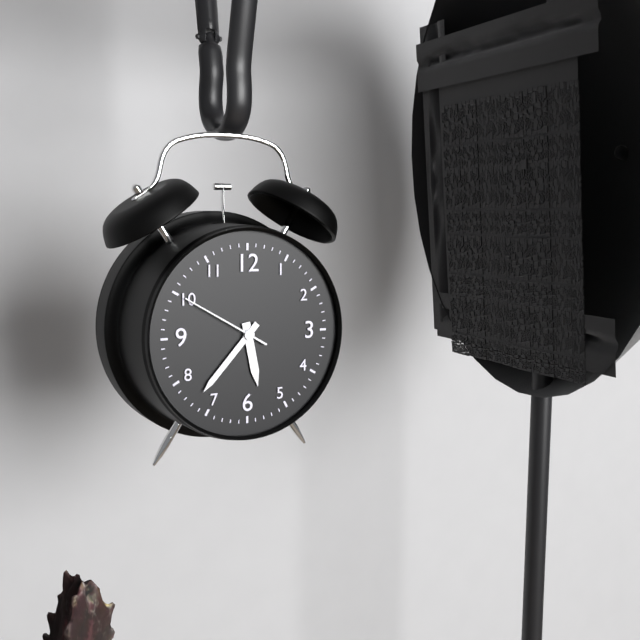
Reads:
5,37,50
